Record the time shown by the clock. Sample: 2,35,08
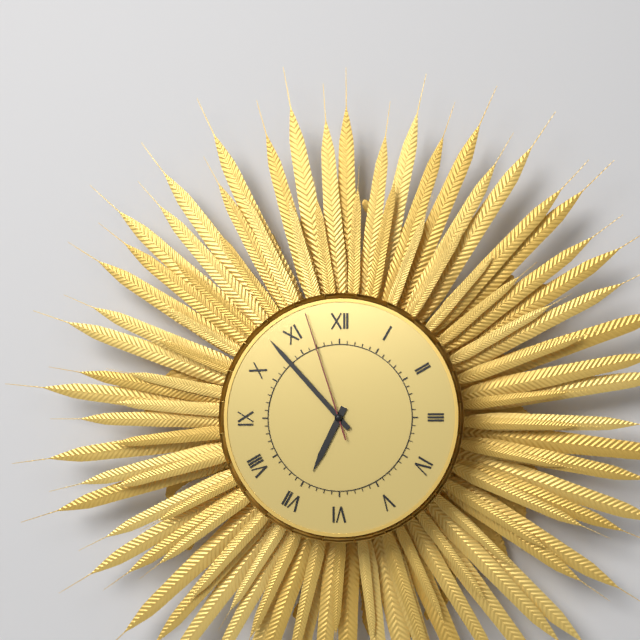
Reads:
6,53,57
